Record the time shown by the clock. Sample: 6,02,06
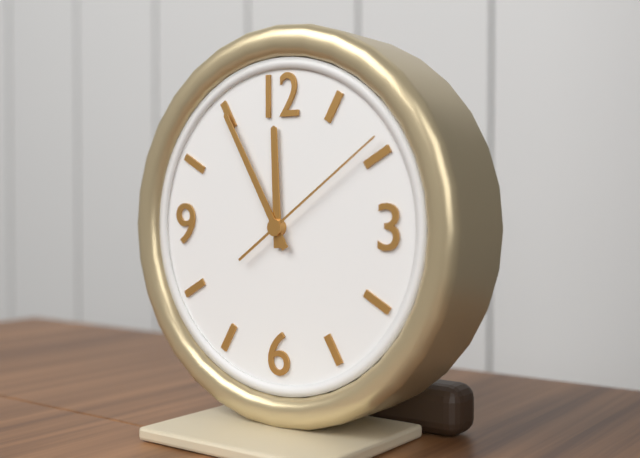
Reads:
11,55,09
